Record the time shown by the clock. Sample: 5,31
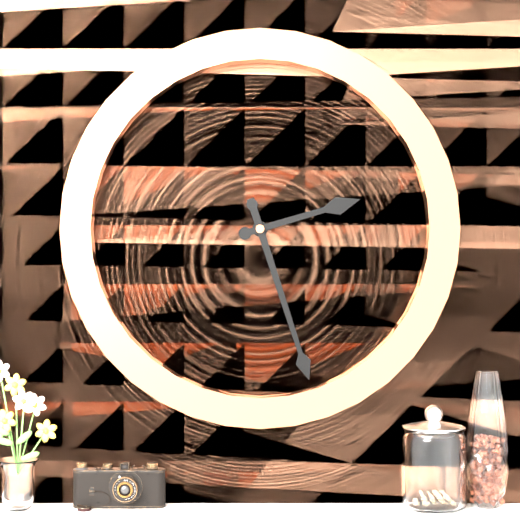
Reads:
2,27
